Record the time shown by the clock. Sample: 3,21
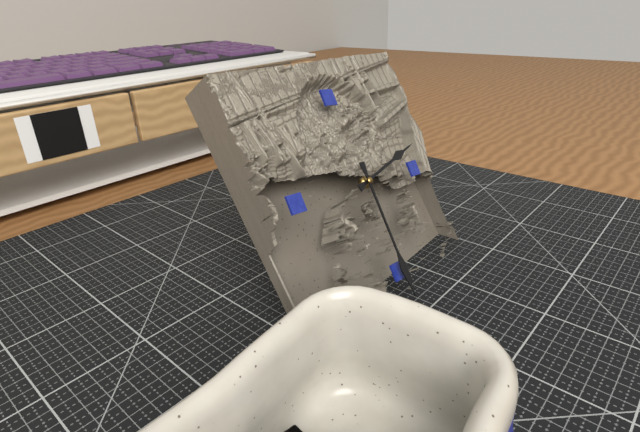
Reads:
2,30
